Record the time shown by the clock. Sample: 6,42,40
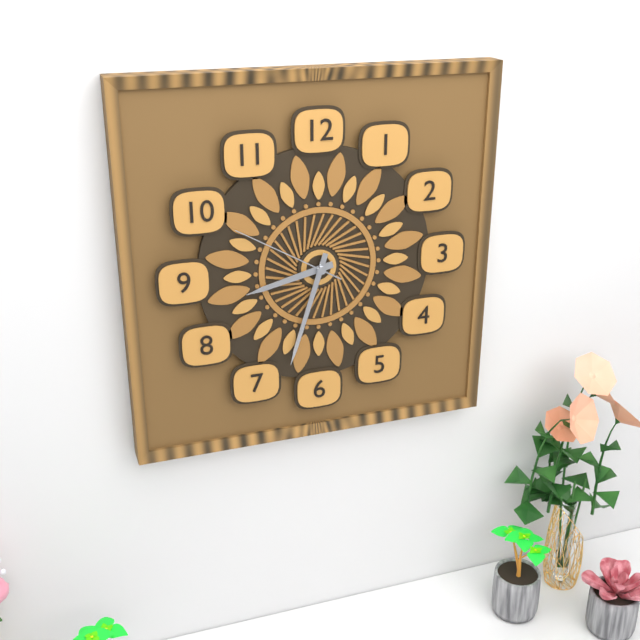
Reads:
8,33,50
